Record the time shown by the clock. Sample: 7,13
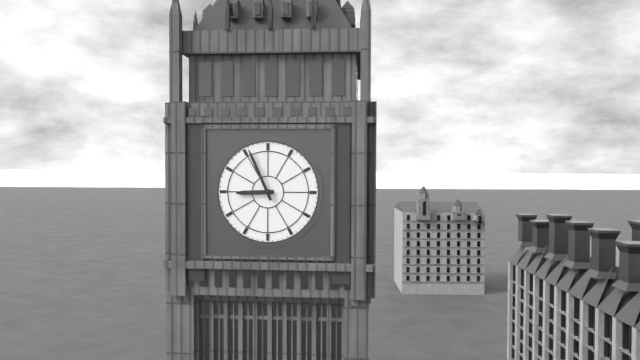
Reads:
8,56
